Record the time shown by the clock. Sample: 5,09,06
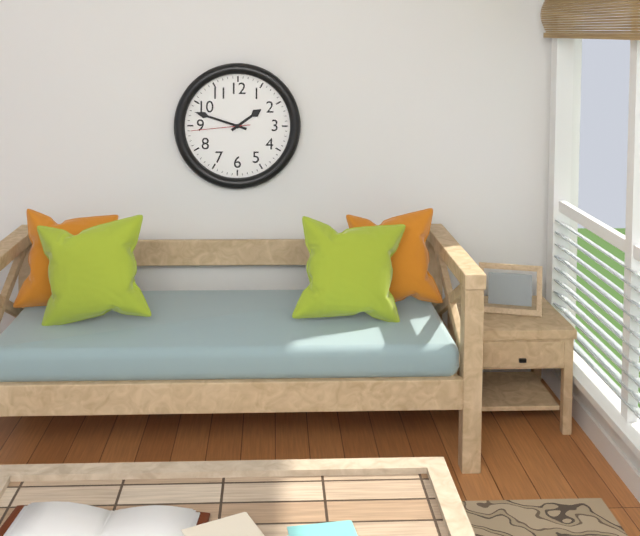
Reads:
1,48,44
